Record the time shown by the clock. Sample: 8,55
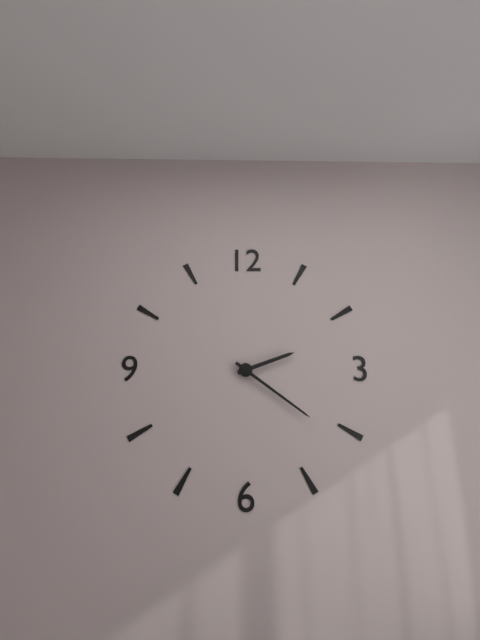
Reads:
2,21
